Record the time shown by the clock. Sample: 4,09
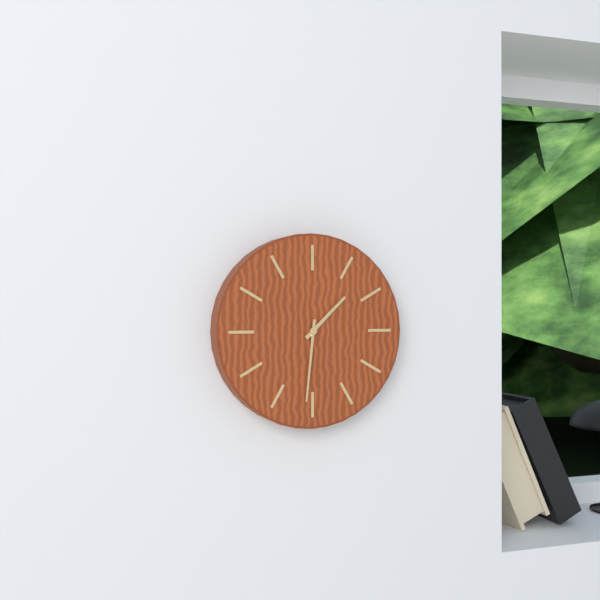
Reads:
1,31
